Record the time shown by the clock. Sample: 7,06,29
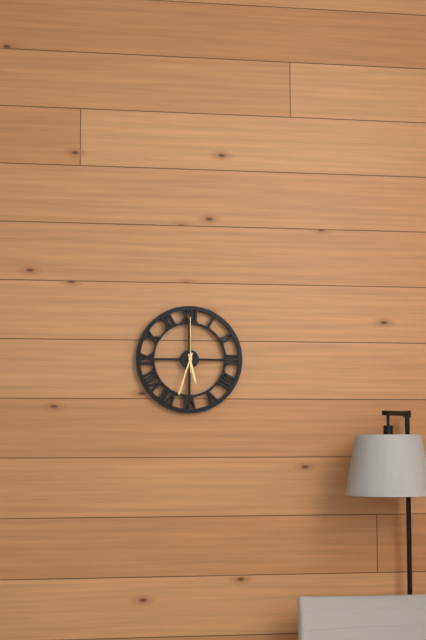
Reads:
5,33,00
